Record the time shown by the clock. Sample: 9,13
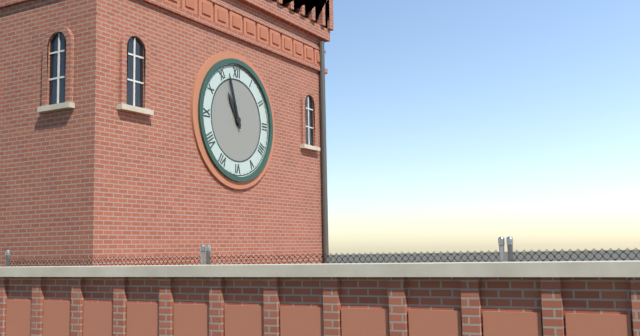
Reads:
10,57
